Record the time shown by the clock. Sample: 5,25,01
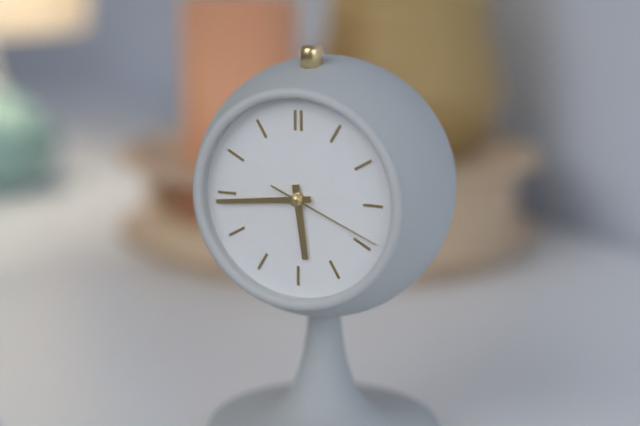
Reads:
5,44,19
